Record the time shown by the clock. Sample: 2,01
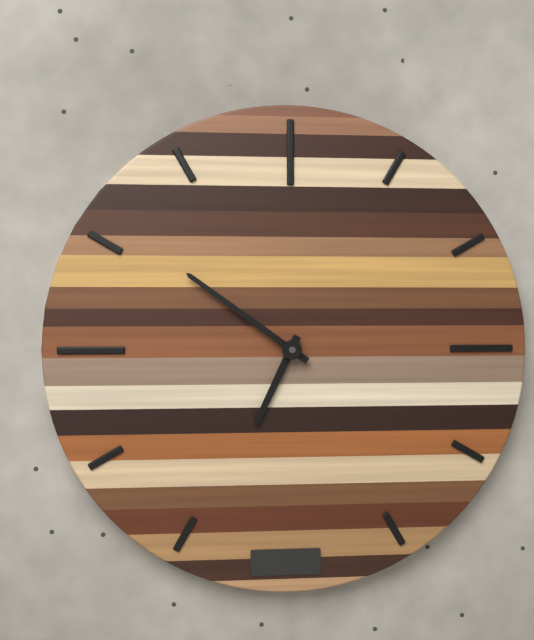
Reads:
6,51
